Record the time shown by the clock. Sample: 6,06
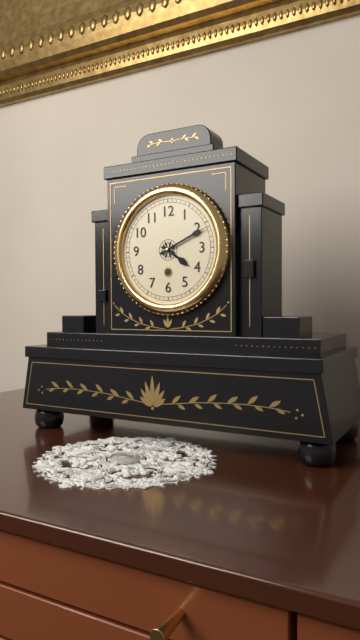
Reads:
4,11
